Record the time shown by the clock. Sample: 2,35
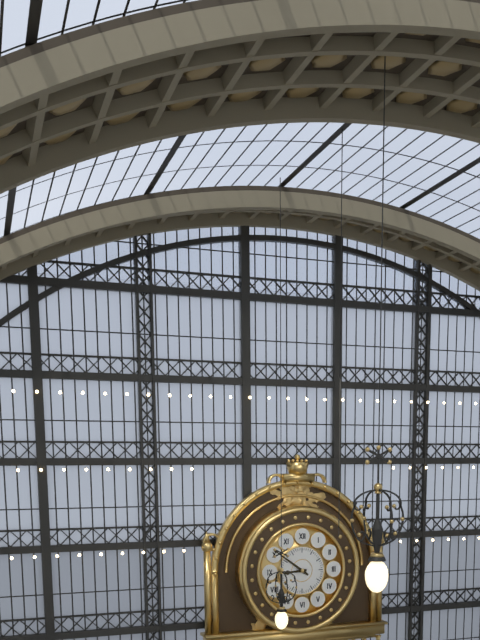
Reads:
8,51
